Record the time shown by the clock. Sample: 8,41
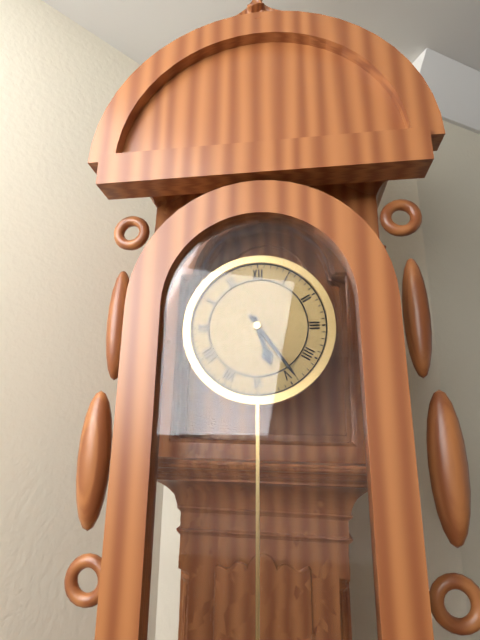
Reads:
5,24
